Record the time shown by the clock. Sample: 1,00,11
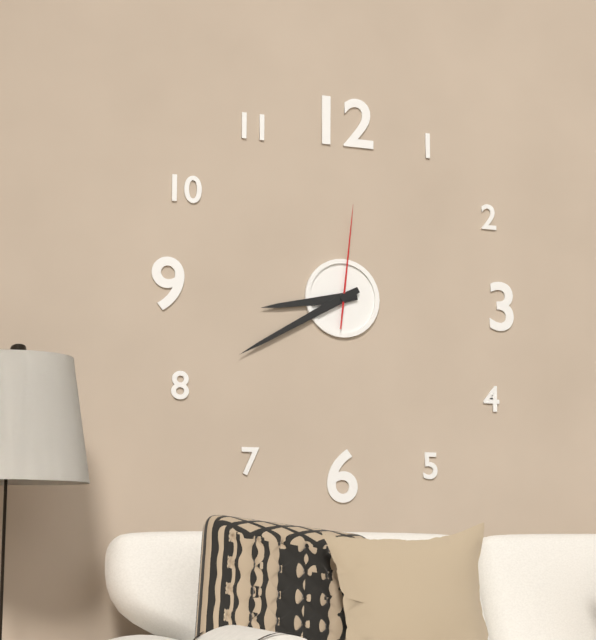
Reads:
8,40,01
